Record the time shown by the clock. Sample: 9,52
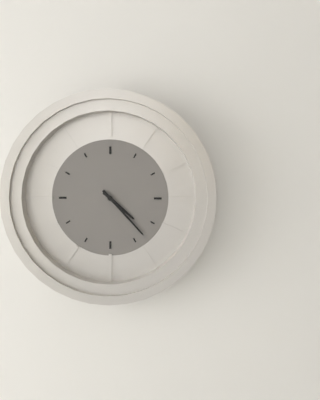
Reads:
4,23
